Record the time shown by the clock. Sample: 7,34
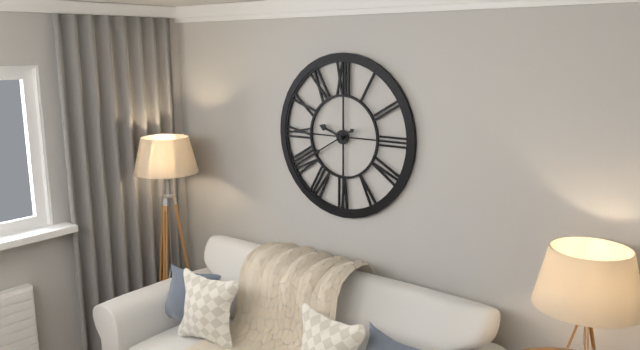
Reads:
9,40
